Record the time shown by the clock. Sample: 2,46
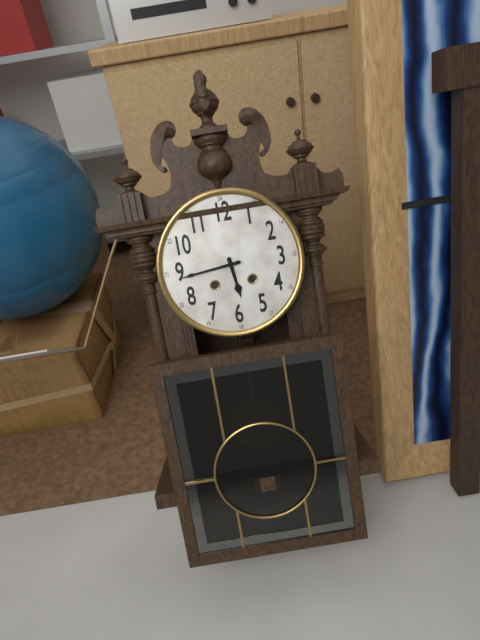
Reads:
5,44
